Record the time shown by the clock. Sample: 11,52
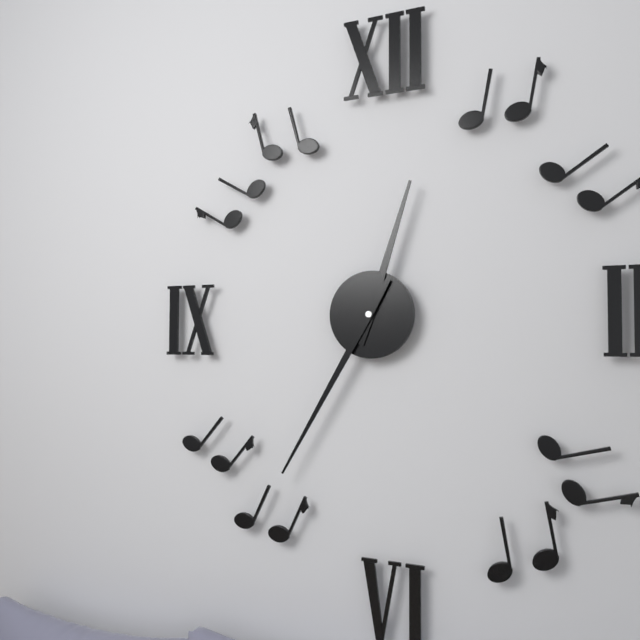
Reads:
12,35
